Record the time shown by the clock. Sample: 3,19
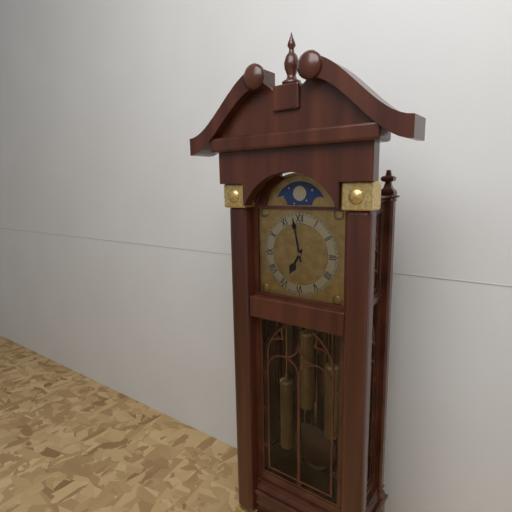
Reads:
6,58
